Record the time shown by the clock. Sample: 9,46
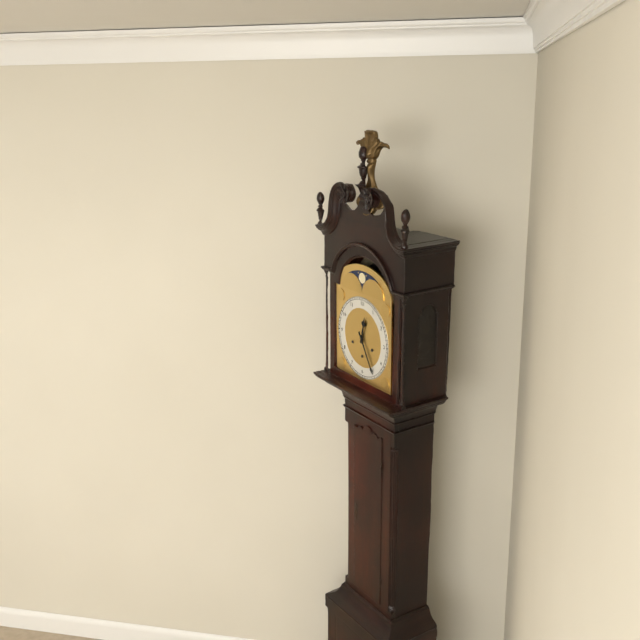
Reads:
12,25
